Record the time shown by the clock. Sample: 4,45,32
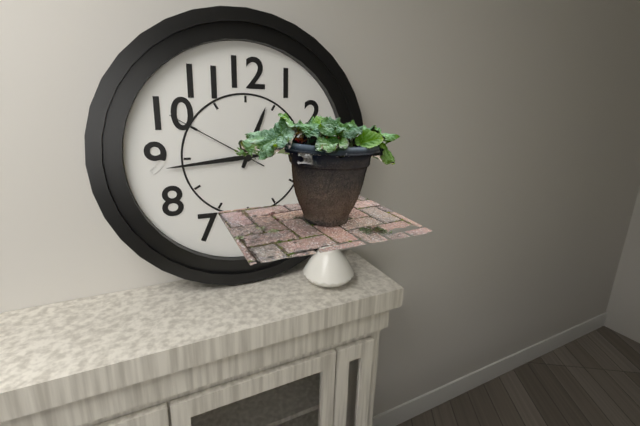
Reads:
12,44,50
